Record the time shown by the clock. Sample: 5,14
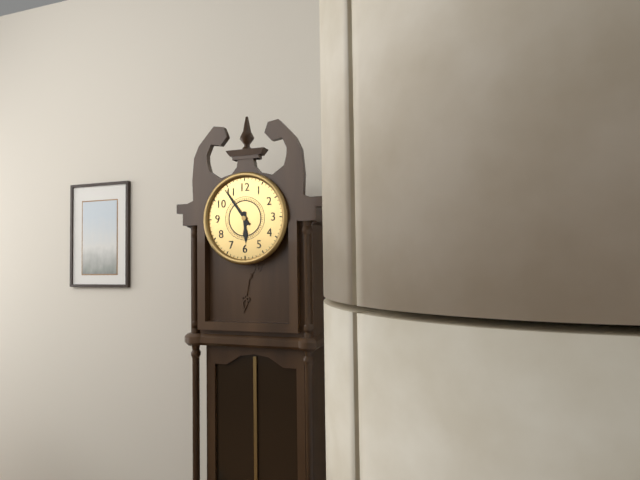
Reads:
5,54
